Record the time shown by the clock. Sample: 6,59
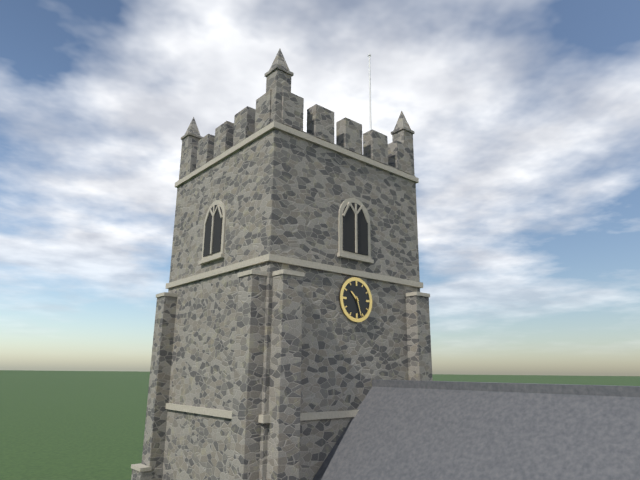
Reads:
10,27
